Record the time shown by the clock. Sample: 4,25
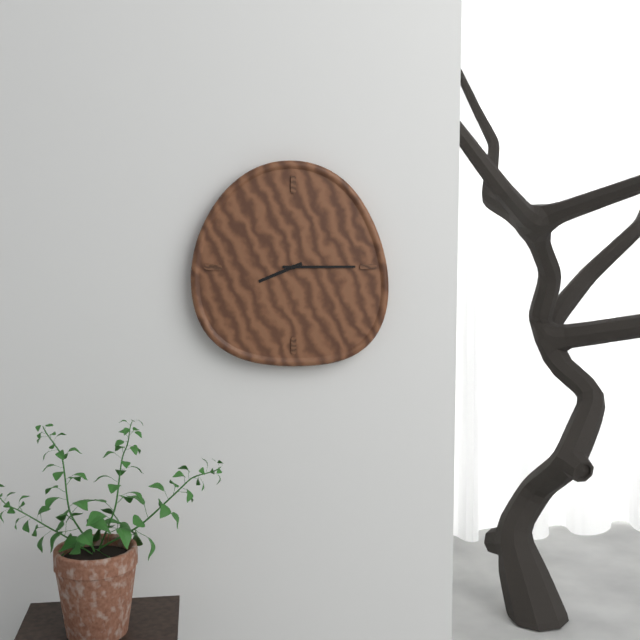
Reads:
8,15
